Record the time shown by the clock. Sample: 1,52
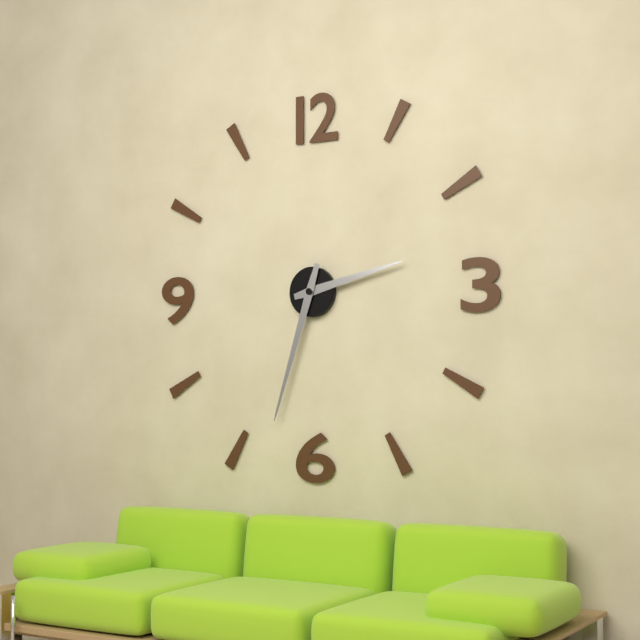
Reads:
2,33
